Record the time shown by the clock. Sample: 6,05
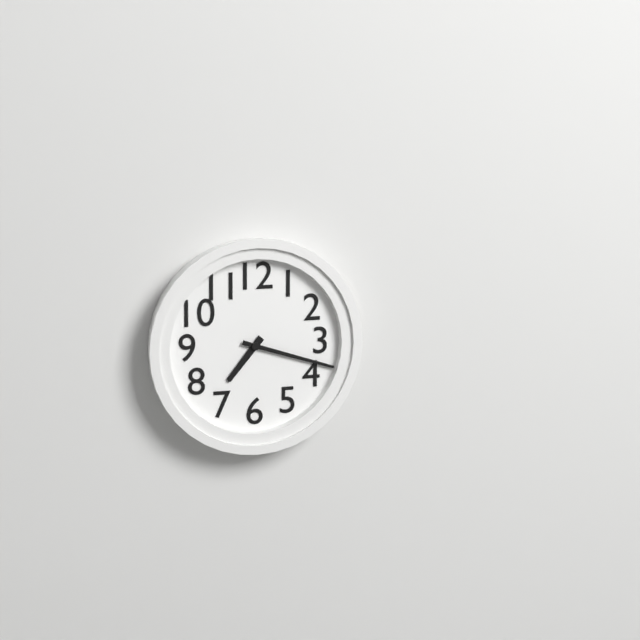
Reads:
7,18
